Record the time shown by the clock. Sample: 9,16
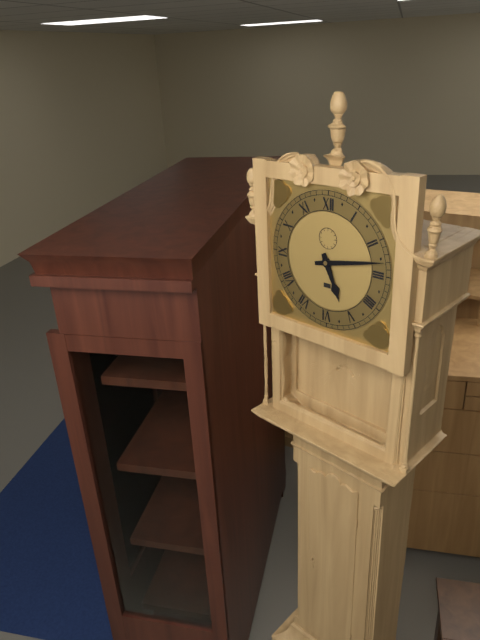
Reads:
5,13
